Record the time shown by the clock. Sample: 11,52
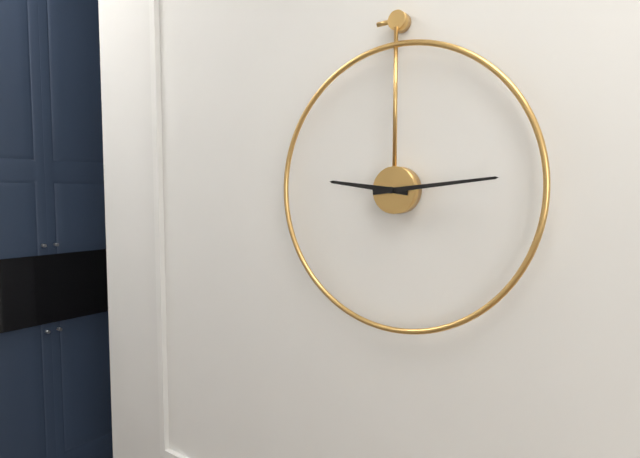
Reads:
9,14
